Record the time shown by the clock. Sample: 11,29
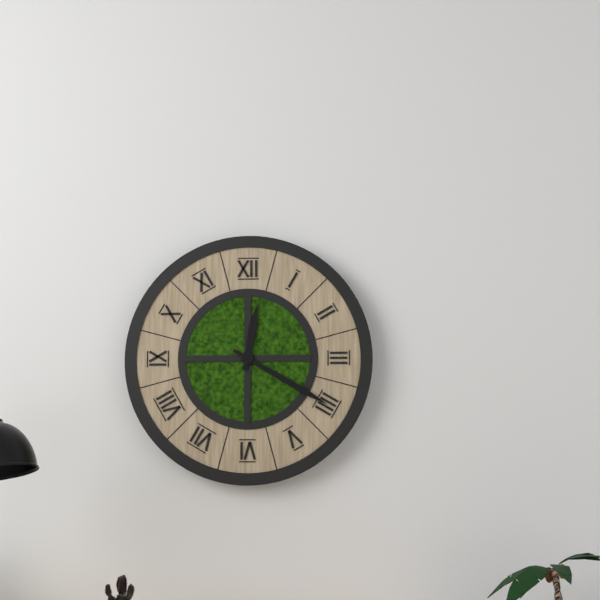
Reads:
12,20
